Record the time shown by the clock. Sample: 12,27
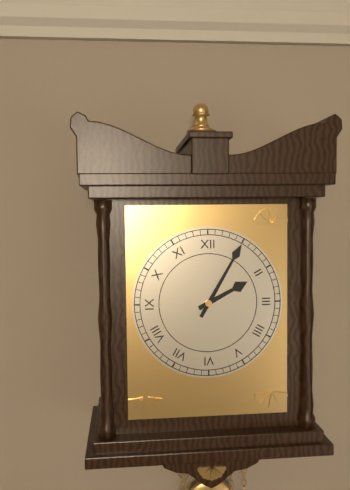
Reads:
2,05
